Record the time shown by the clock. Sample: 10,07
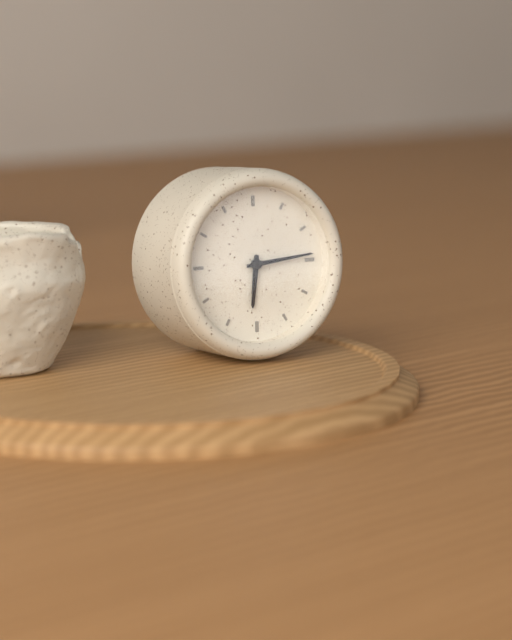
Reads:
6,14
